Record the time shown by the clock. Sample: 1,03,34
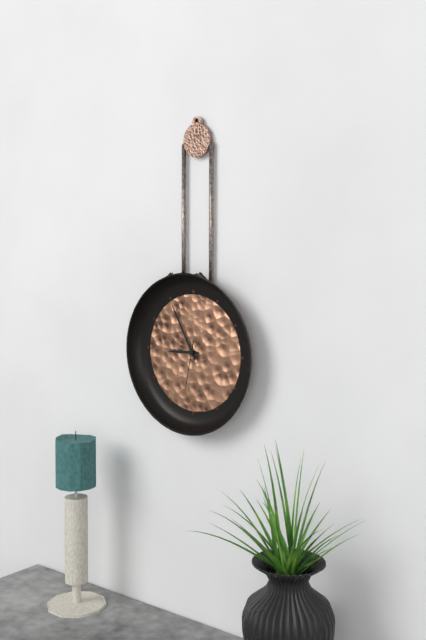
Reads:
8,55,32
